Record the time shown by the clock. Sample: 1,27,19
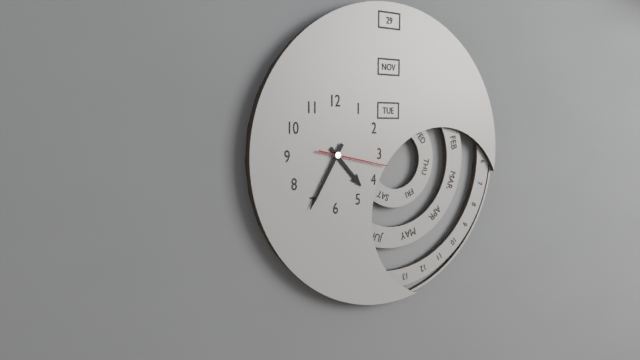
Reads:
4,35,17
